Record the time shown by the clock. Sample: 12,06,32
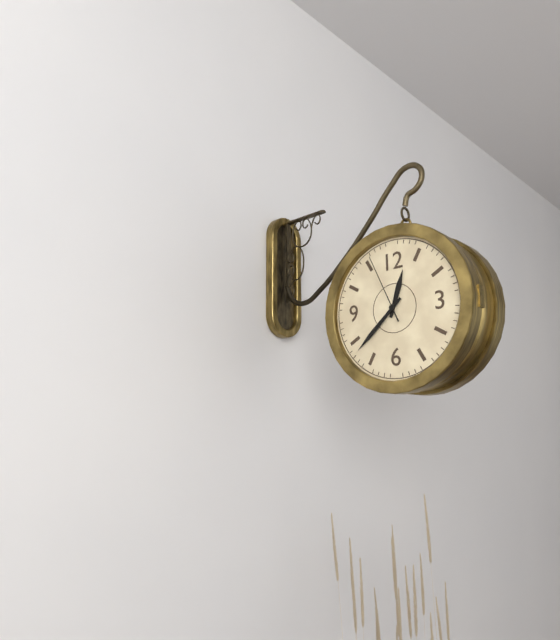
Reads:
12,38,56
